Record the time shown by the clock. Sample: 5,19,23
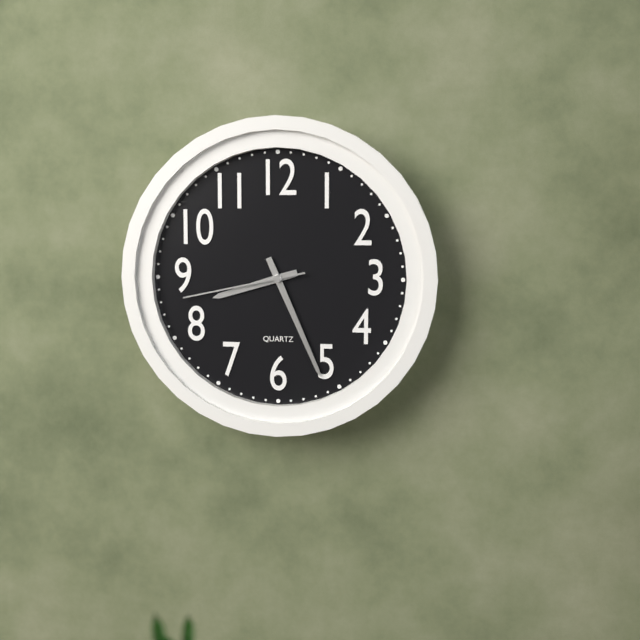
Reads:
8,26,43
